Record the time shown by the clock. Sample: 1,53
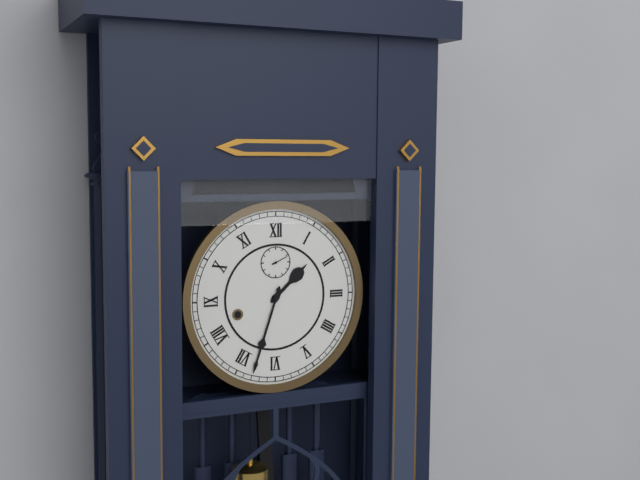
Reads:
1,33
